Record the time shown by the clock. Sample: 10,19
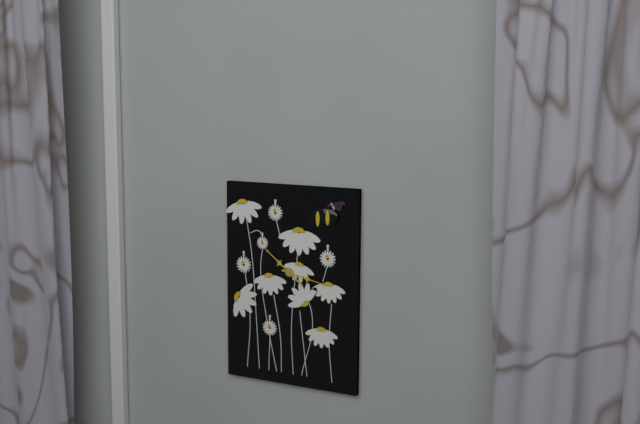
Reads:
10,17
